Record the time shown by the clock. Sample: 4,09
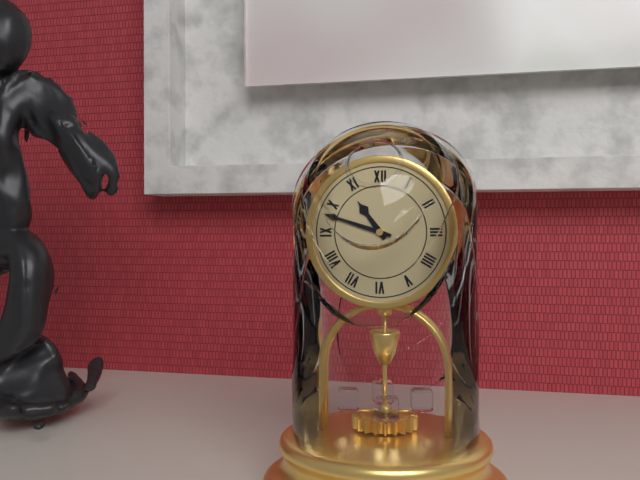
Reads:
10,48
